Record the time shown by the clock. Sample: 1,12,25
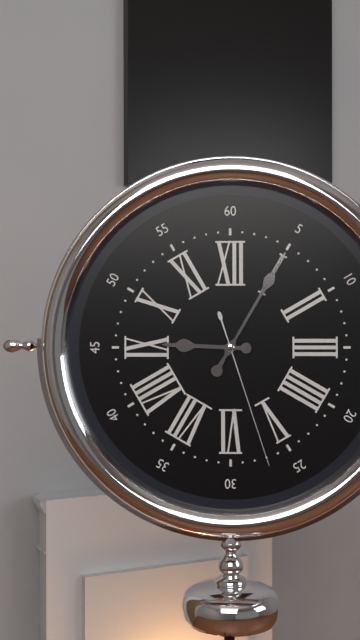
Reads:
9,05,27
